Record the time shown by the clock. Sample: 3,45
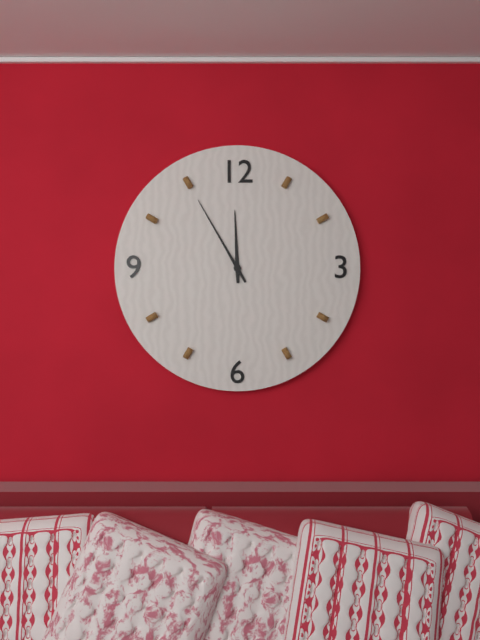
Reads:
11,55
